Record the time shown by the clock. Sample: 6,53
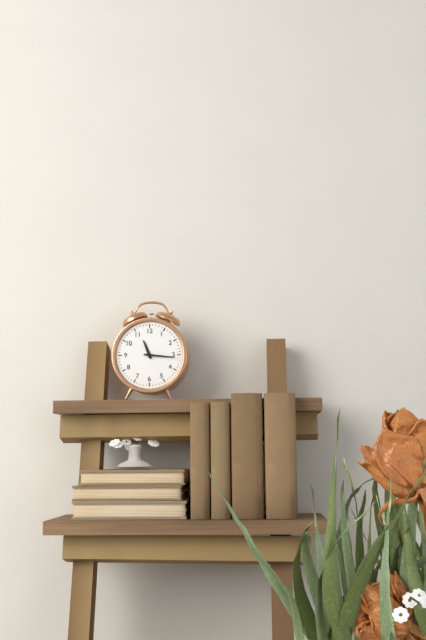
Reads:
11,16
